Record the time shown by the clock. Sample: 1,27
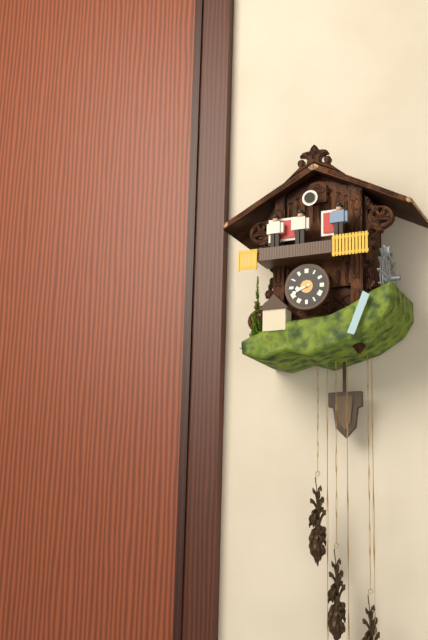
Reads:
8,41
